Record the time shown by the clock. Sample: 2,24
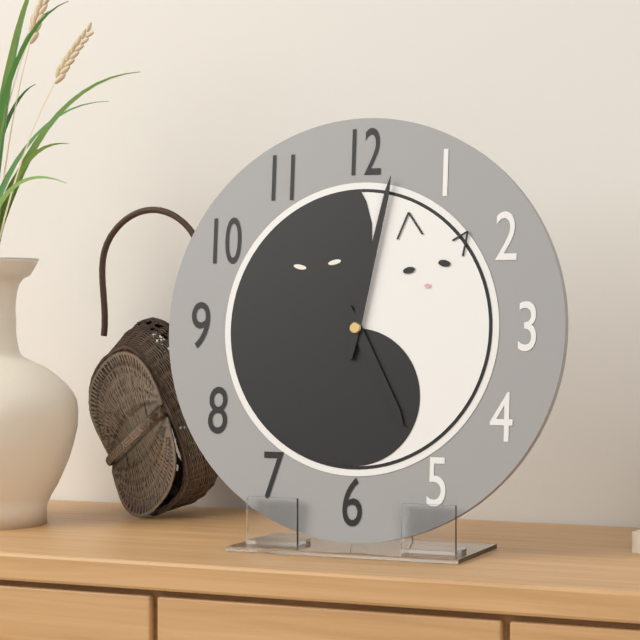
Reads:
5,02
